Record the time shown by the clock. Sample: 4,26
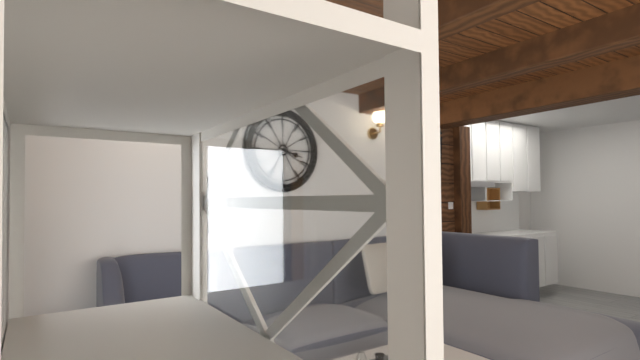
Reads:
3,35
